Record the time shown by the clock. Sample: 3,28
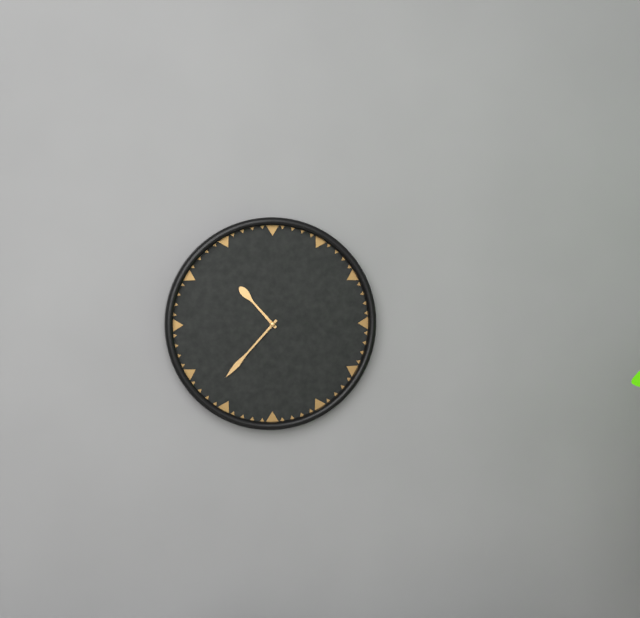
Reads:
10,37
